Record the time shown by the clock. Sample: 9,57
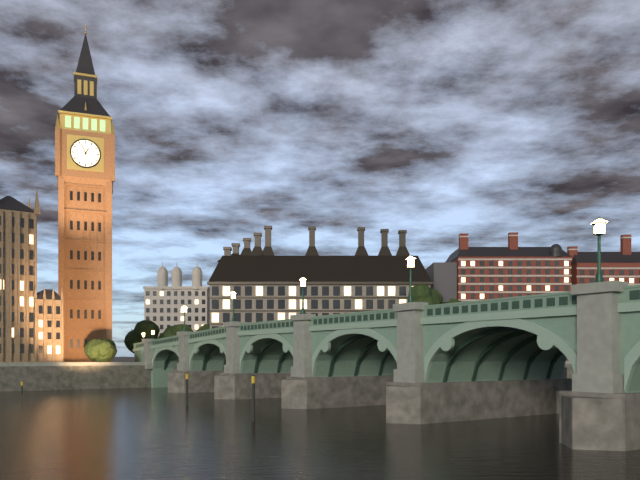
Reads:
12,56
